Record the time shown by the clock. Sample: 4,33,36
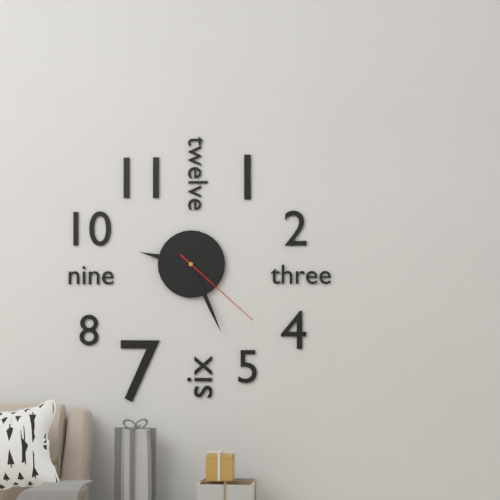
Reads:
9,26,22
